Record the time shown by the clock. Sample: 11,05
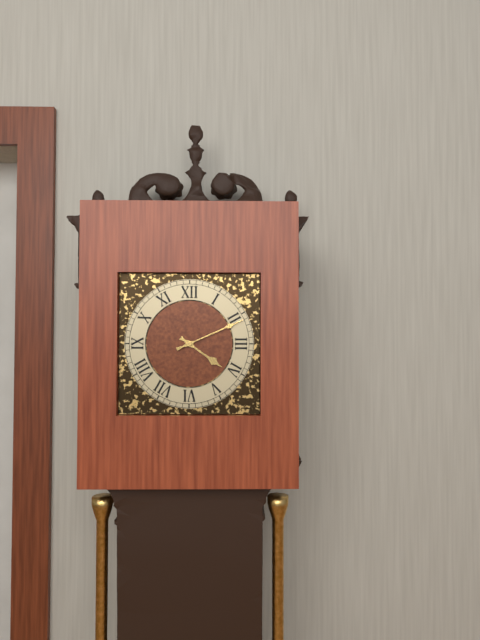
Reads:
4,11
